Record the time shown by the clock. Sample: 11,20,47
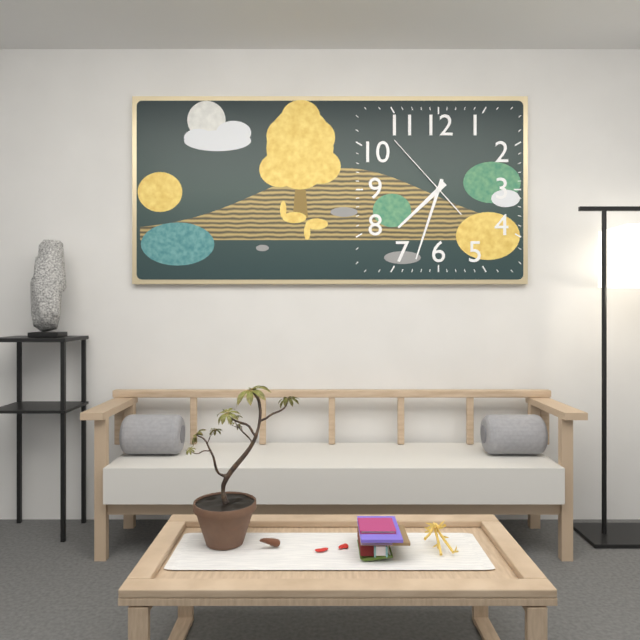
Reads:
7,33,53
